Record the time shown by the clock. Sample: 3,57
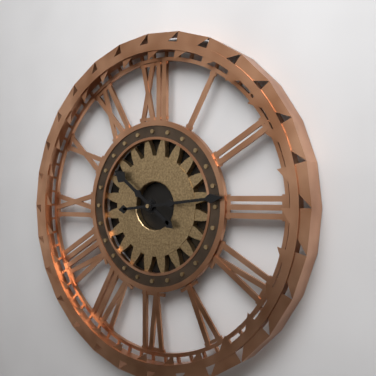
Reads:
10,14
